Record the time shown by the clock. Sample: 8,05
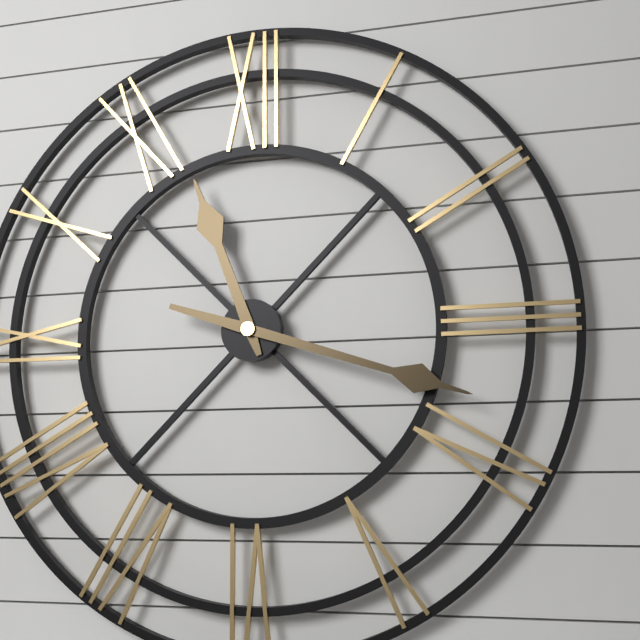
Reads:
11,18
